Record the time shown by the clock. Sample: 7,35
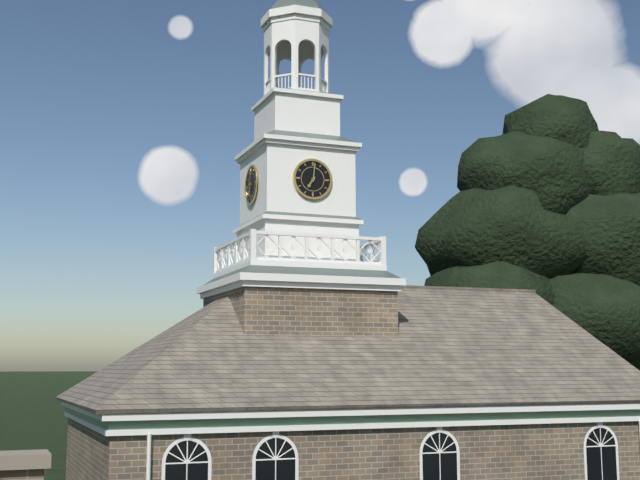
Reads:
7,01
